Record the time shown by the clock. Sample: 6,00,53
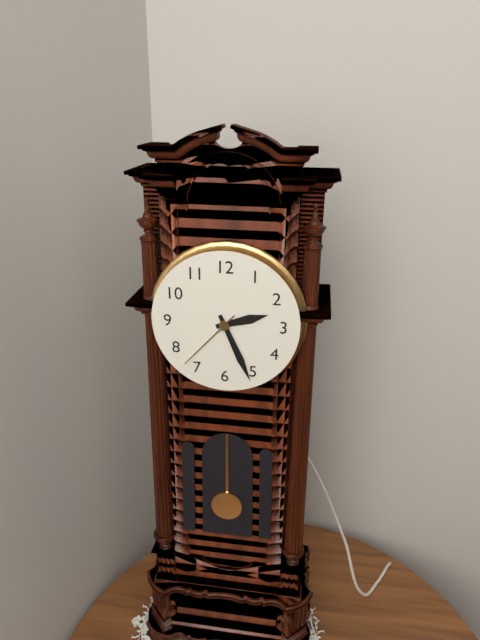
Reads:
2,26,37
